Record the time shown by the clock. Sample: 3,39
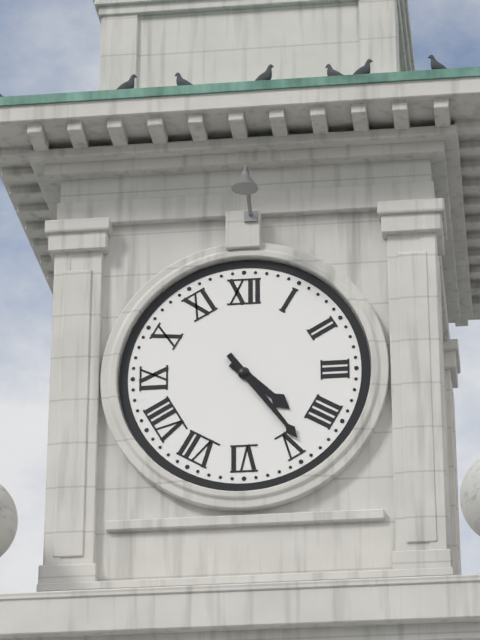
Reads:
4,24
